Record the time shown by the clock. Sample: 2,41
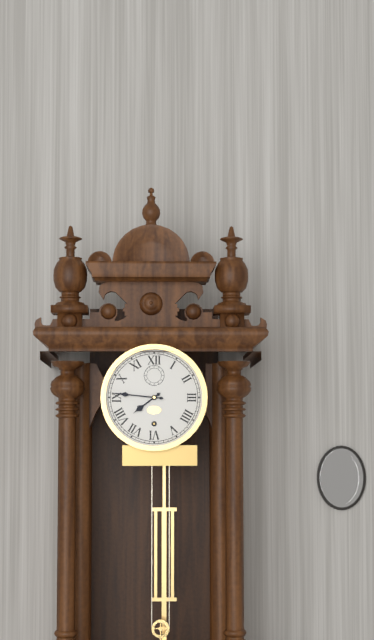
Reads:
7,46
